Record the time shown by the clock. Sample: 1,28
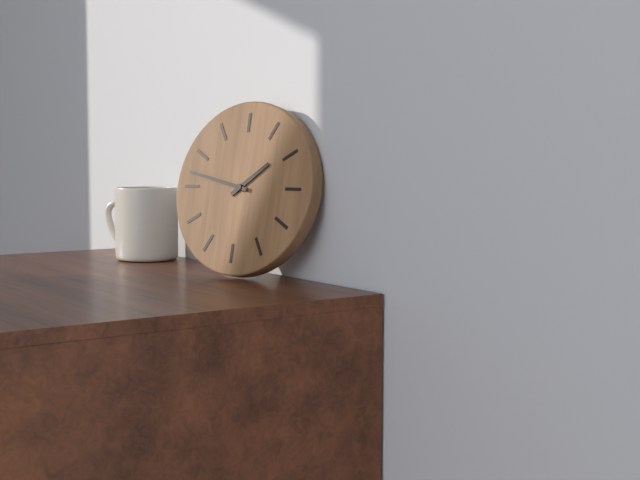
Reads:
1,47
